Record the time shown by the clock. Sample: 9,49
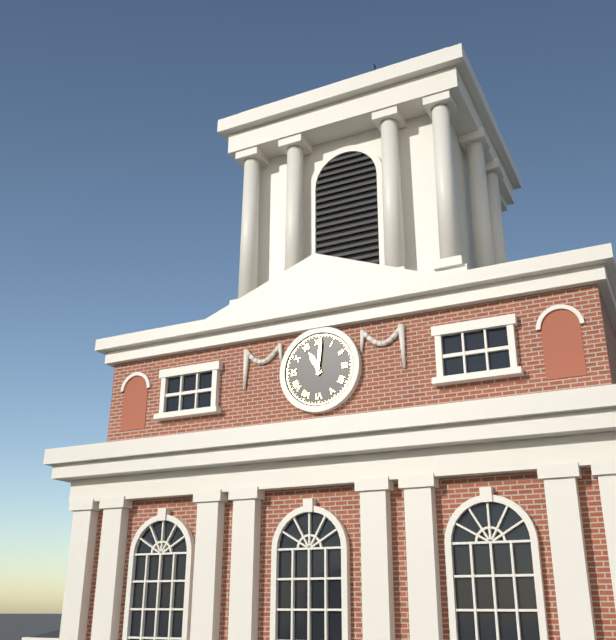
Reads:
11,01
